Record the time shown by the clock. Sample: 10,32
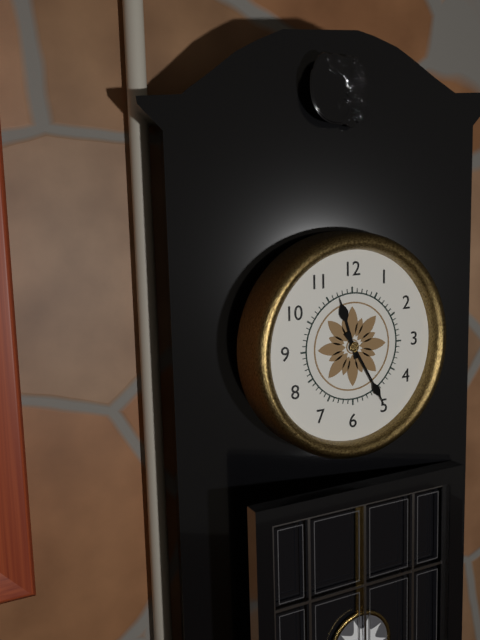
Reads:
11,25
